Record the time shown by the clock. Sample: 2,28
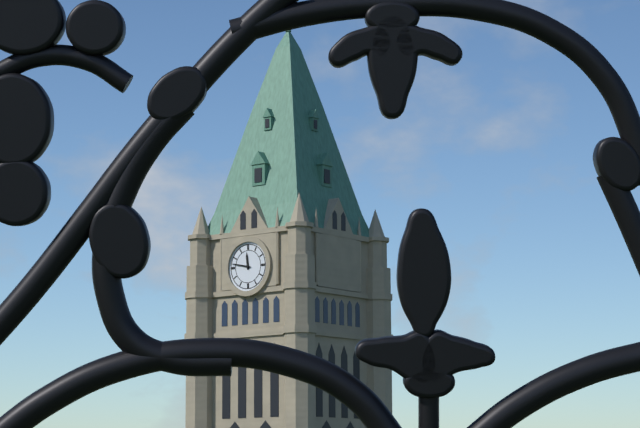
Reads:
11,47
